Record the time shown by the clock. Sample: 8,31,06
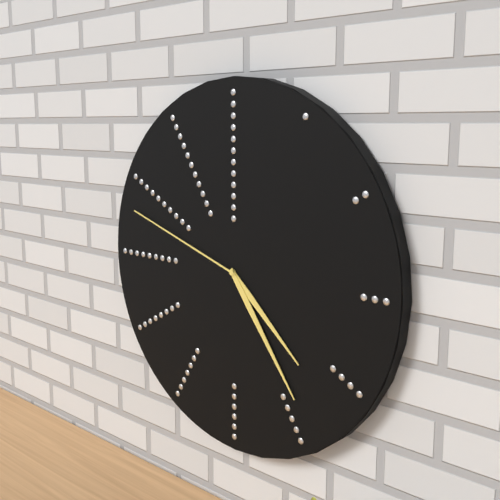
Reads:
4,24,48
